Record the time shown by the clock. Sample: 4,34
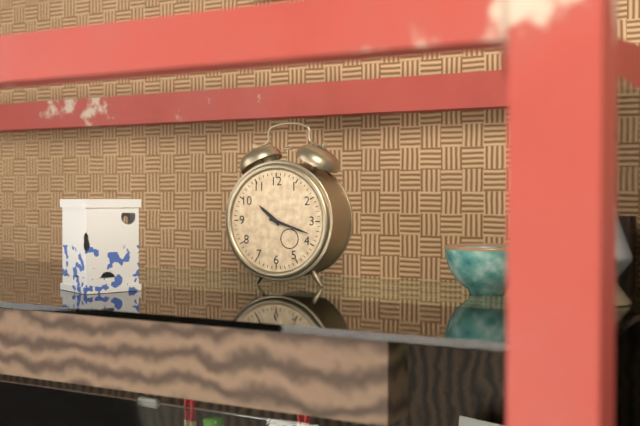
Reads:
10,18
